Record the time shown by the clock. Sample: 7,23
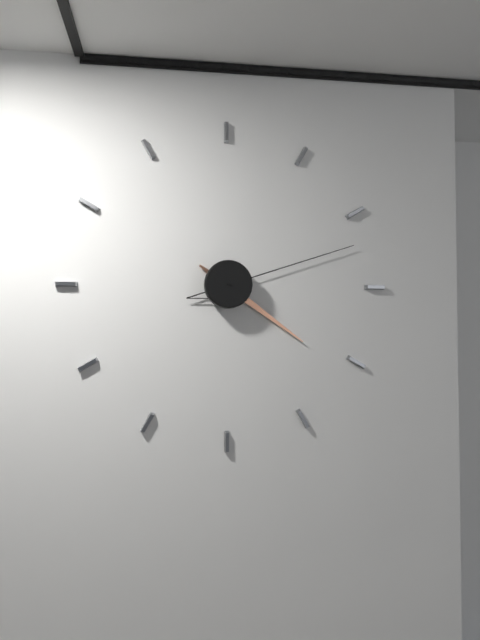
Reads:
4,12
